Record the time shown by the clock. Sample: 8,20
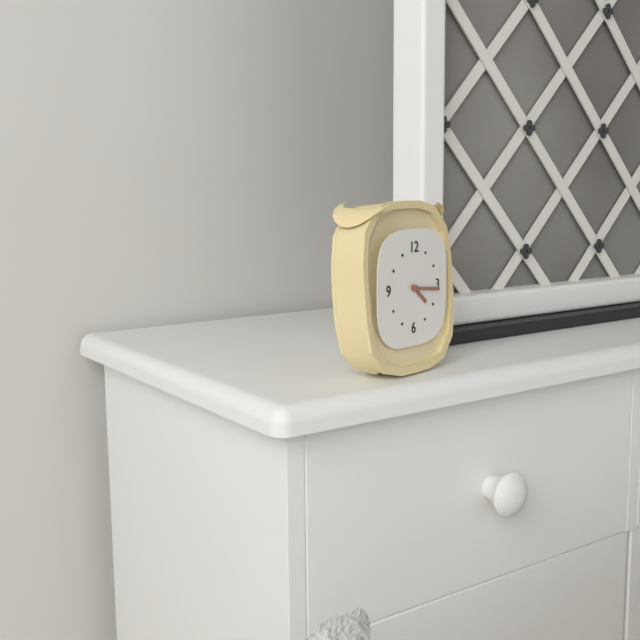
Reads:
4,16
